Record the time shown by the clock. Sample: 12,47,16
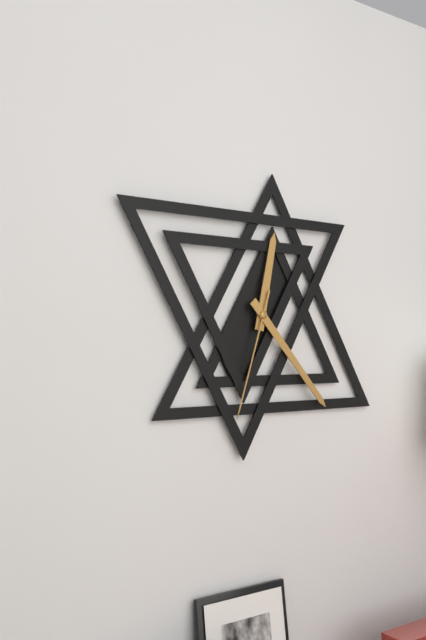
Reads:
12,23,33
